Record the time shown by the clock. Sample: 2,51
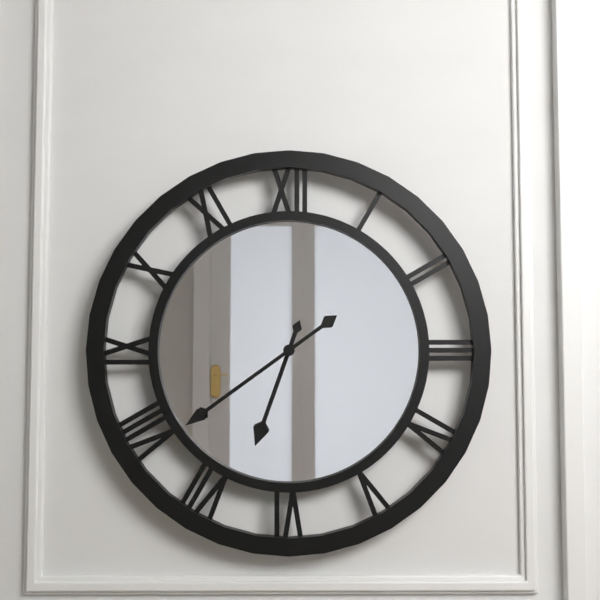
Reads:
6,39
